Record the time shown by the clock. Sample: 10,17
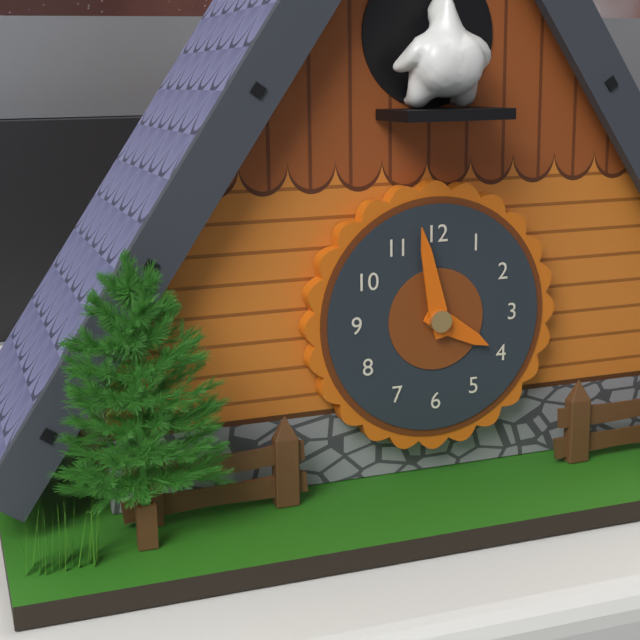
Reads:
3,58
